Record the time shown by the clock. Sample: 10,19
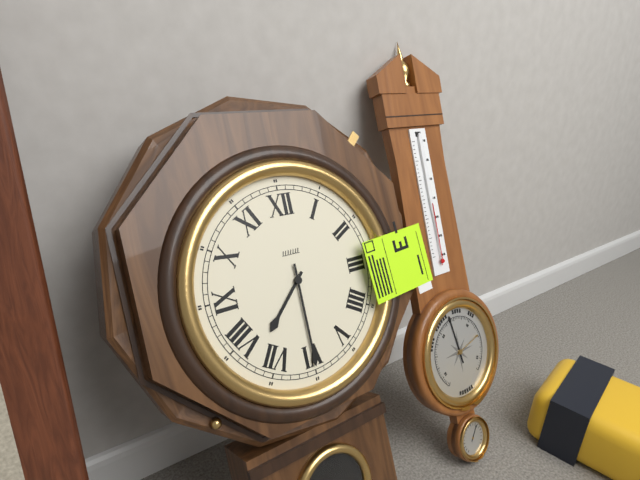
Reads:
7,30
